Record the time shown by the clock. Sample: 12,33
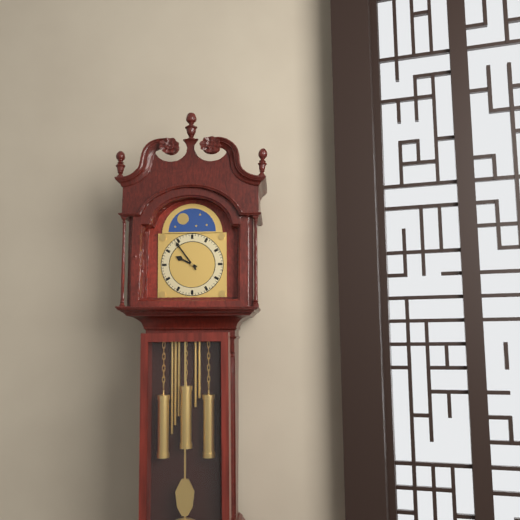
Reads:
9,54
